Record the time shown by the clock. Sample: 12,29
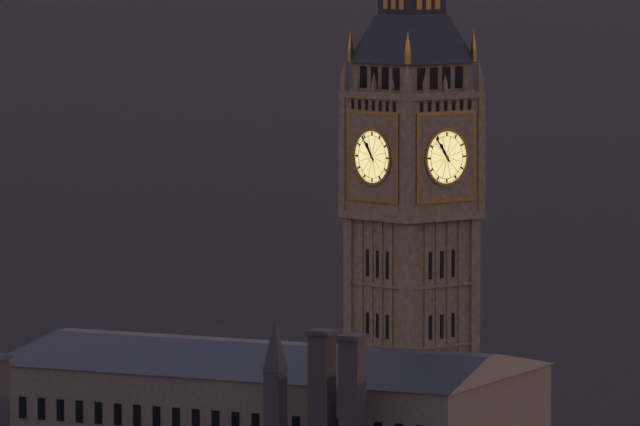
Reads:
10,54
